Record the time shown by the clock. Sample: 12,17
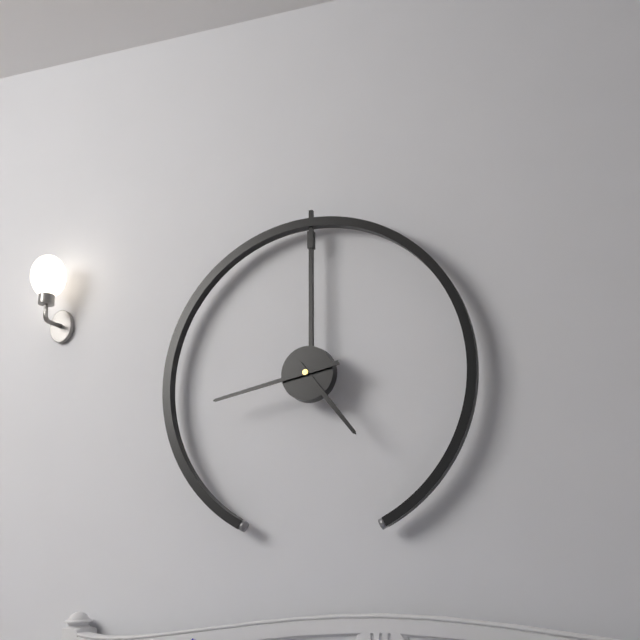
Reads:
4,43
